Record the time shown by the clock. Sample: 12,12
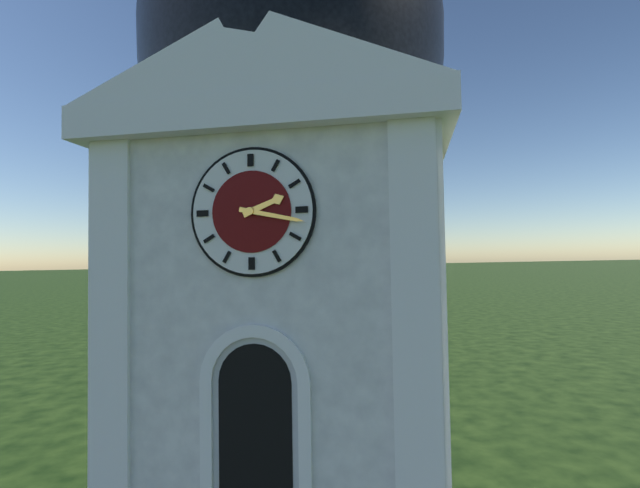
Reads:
2,17
